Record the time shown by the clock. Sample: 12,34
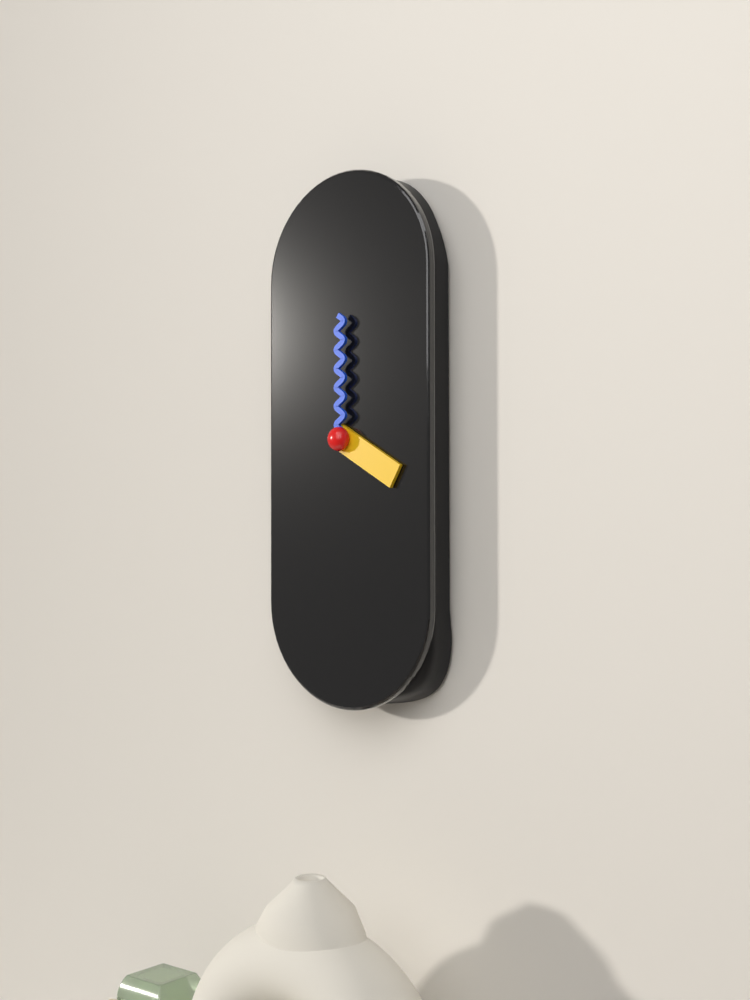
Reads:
4,00
